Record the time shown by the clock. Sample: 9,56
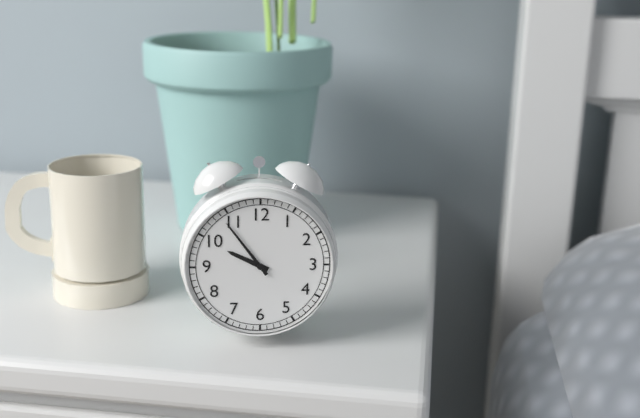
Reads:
9,54
